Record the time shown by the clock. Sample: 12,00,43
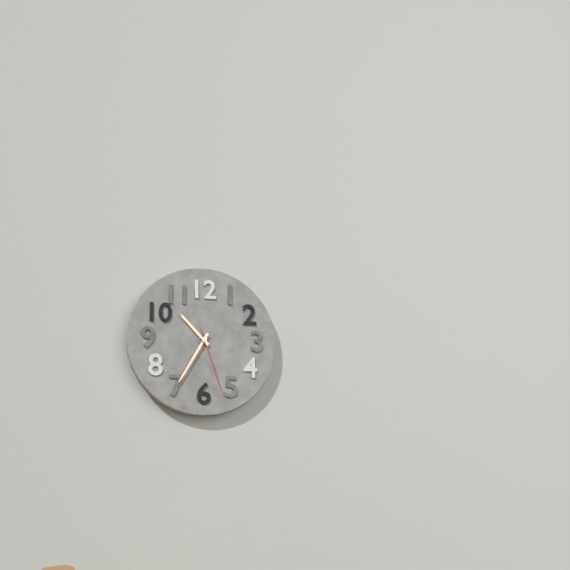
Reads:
10,35,27
